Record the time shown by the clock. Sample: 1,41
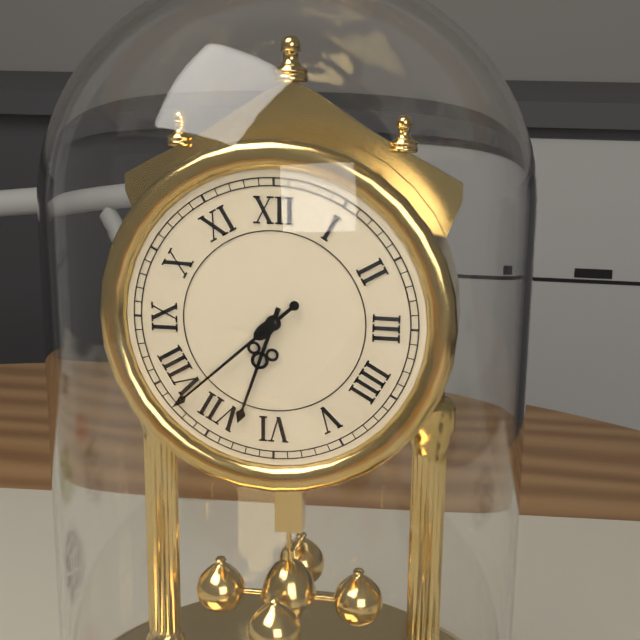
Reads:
6,38
